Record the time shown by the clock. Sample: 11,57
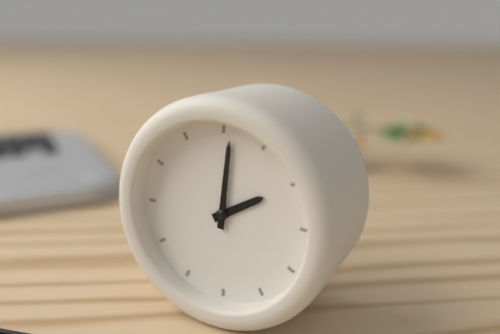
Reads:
2,01
